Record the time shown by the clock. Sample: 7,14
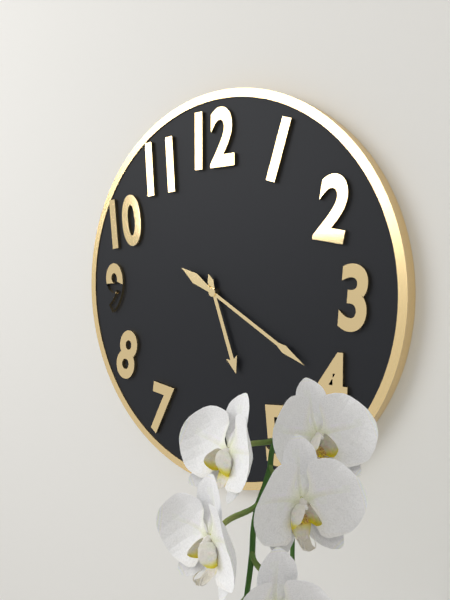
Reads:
5,20
